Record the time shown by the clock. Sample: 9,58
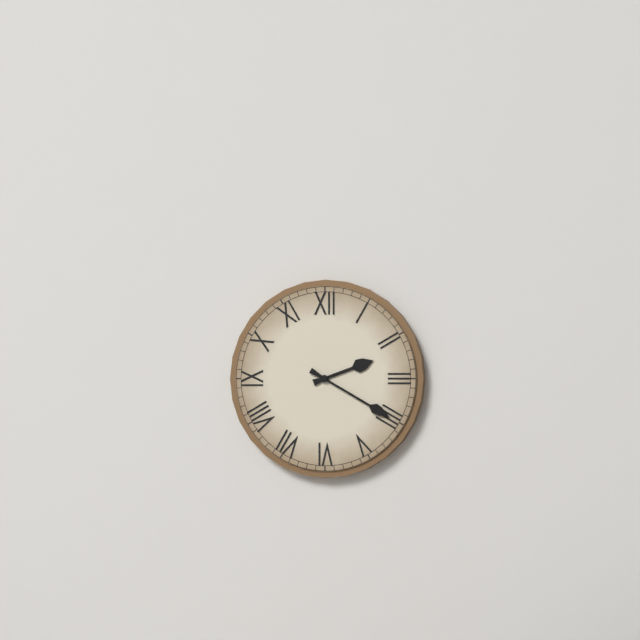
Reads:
2,20
